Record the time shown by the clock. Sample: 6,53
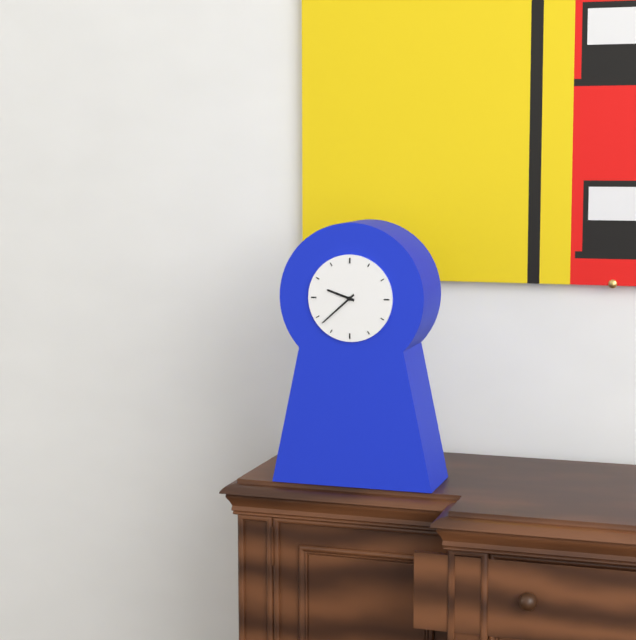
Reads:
9,38
